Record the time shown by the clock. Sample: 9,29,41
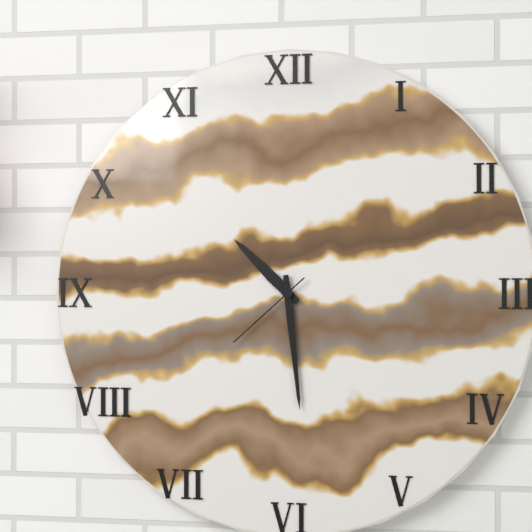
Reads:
10,29,38
